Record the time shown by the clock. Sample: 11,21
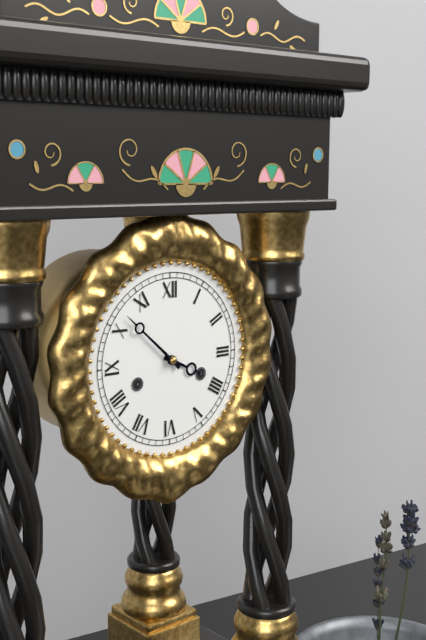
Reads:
3,52
